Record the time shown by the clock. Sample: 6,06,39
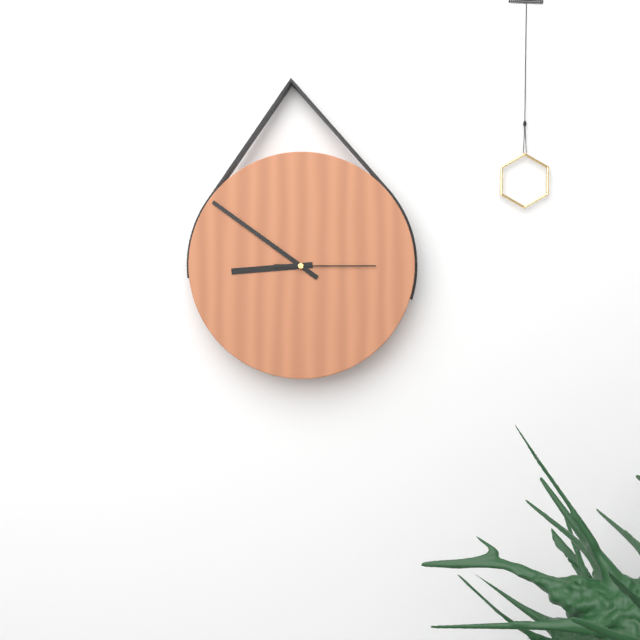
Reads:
8,51,15
